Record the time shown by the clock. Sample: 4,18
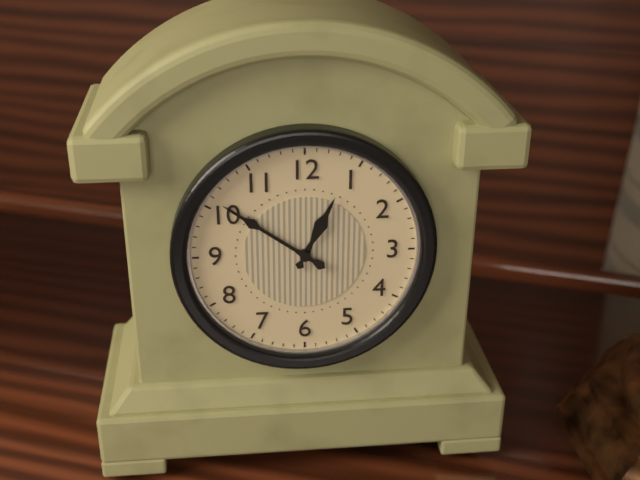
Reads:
12,51
